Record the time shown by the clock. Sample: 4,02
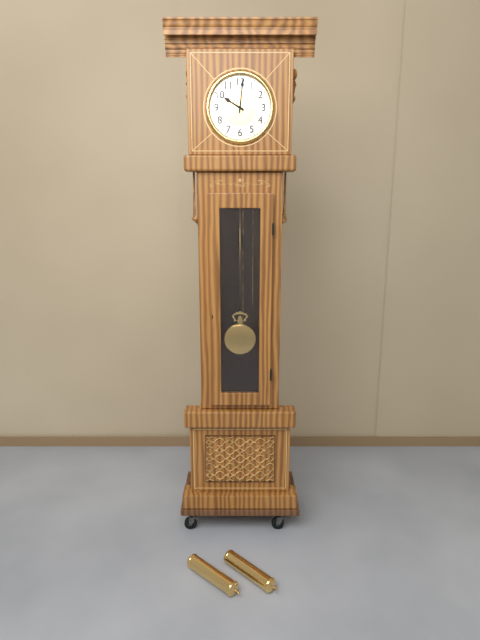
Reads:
10,01
